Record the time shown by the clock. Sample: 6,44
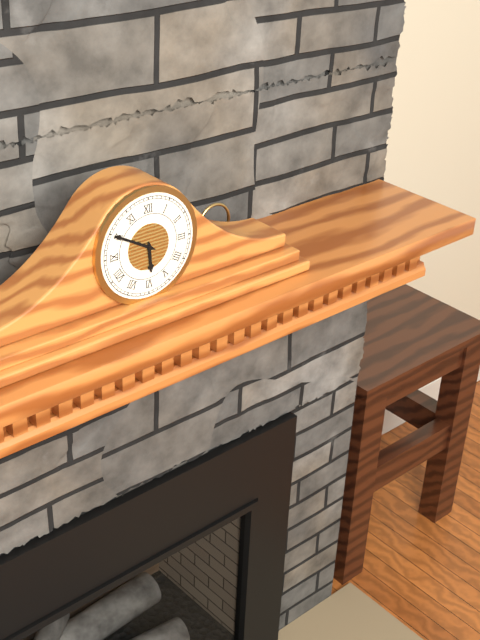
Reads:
5,50
